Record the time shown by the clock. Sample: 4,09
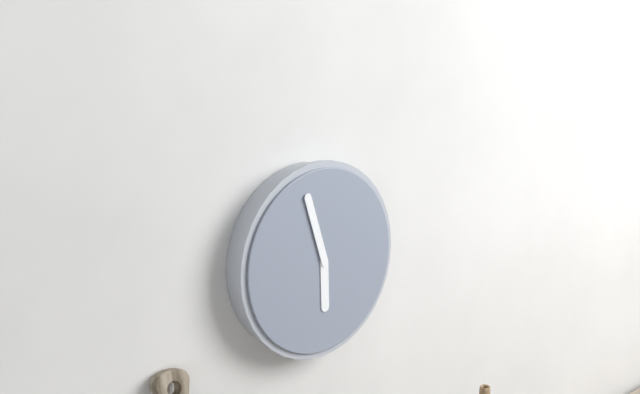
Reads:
5,57
